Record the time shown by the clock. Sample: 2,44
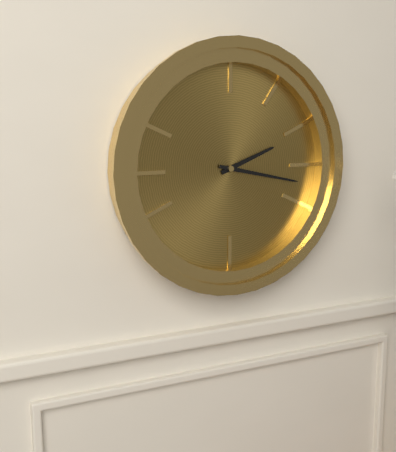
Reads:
2,17
